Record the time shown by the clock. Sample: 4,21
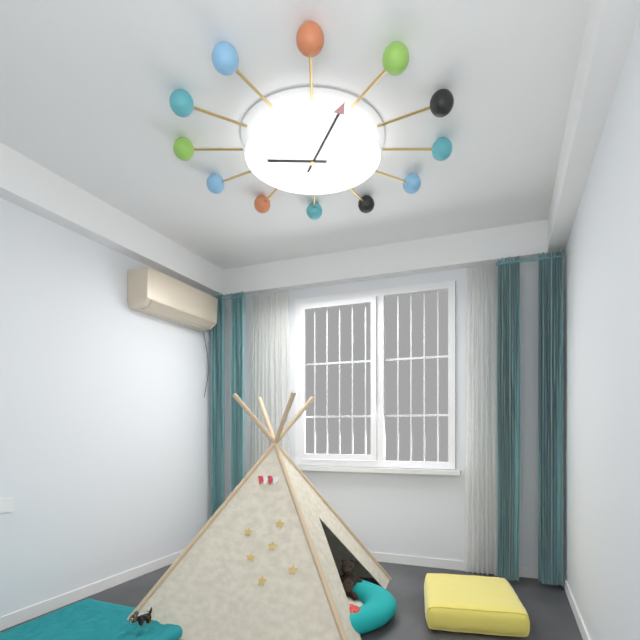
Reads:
9,03
